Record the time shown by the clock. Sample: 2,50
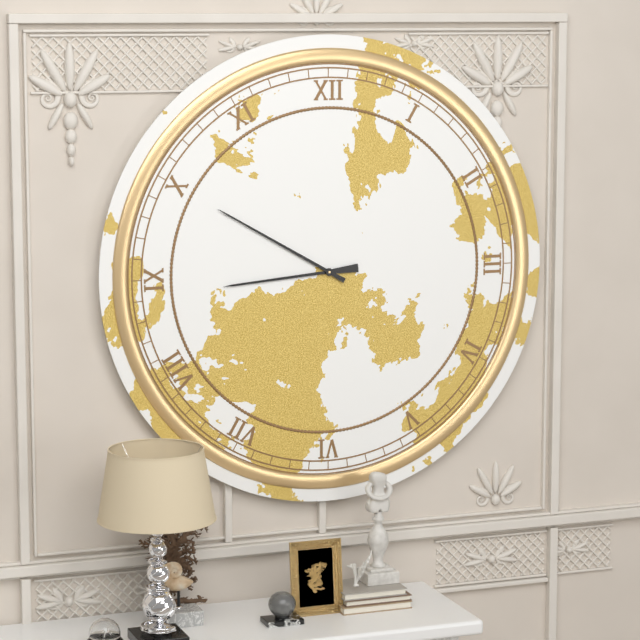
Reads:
8,50
